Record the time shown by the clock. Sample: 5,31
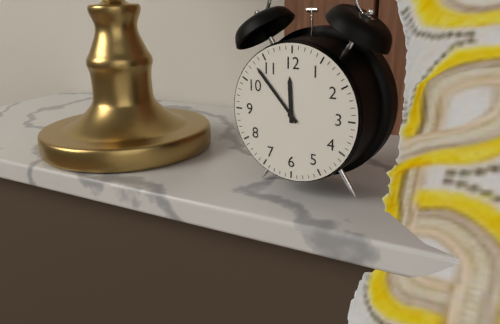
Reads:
11,53
